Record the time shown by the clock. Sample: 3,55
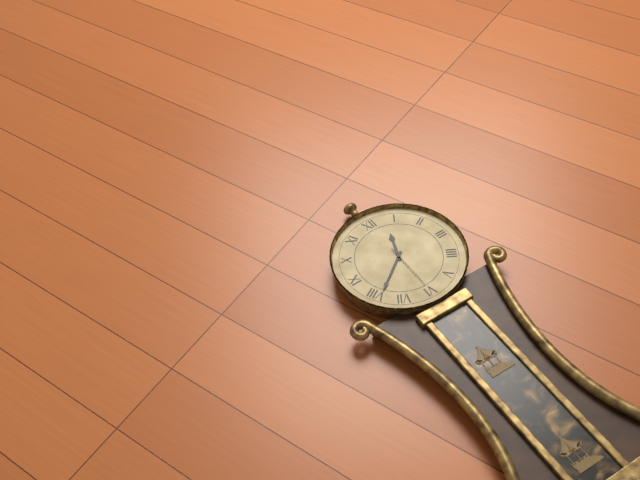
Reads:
12,39
